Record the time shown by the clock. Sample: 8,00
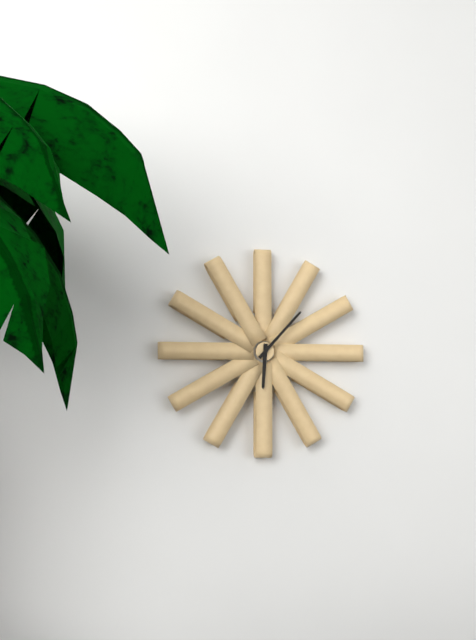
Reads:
6,07
